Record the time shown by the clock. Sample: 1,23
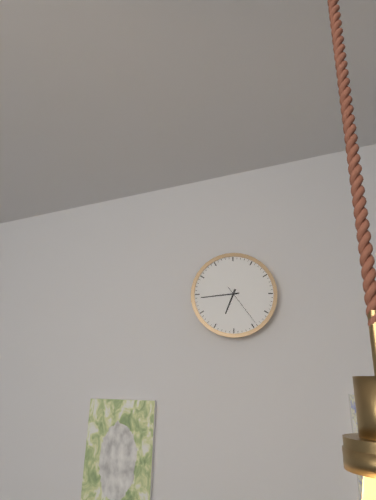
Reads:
6,44
